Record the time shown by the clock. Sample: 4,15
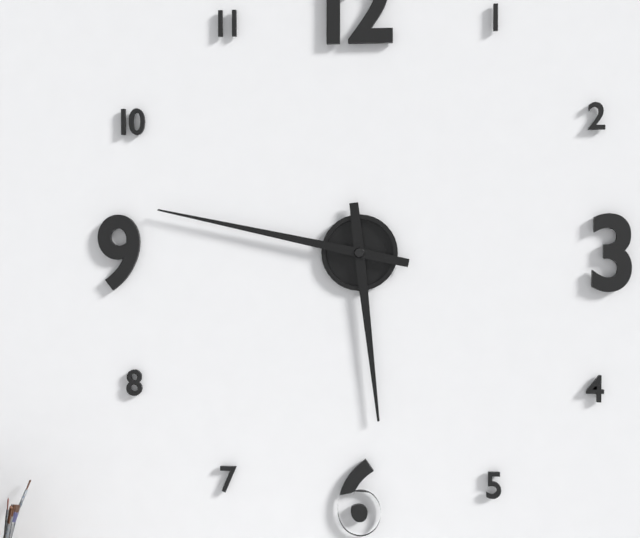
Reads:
5,47
